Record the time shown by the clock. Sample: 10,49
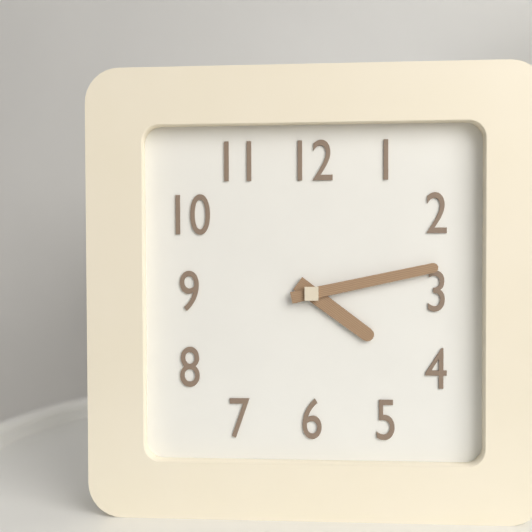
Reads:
4,13
